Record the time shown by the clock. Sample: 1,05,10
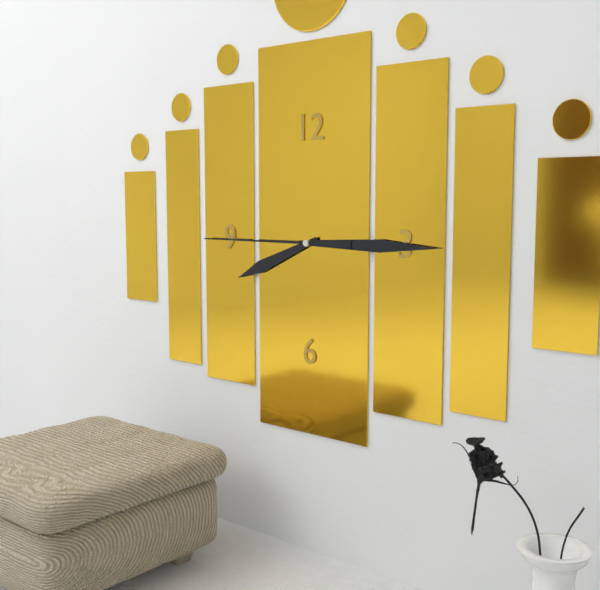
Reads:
8,15,45
